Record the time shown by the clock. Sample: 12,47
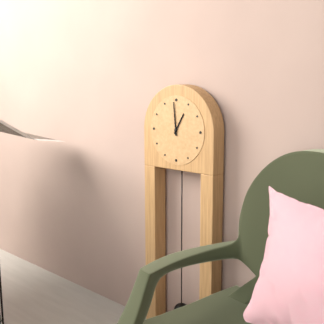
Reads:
12,59
